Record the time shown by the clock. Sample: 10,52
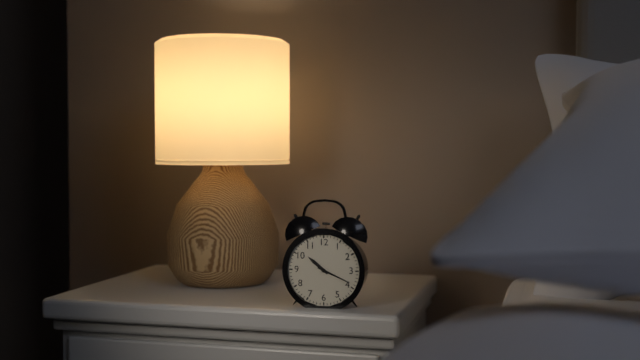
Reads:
10,19
